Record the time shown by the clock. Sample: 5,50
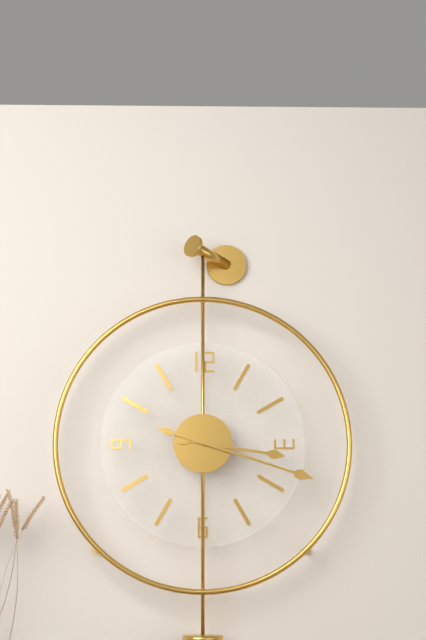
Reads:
3,18
